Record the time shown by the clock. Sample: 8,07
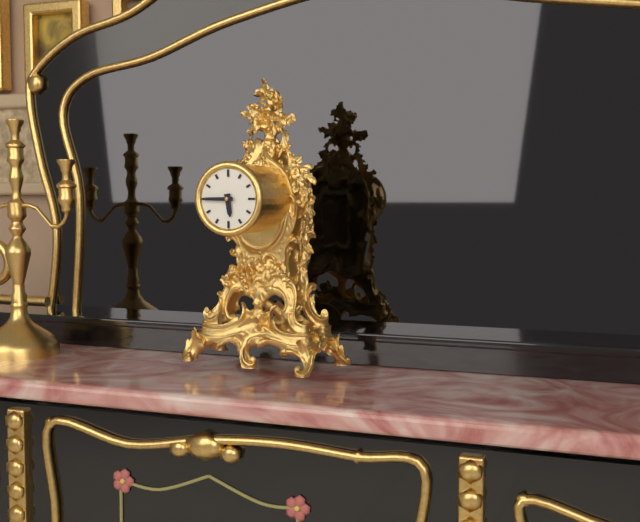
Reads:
5,45
